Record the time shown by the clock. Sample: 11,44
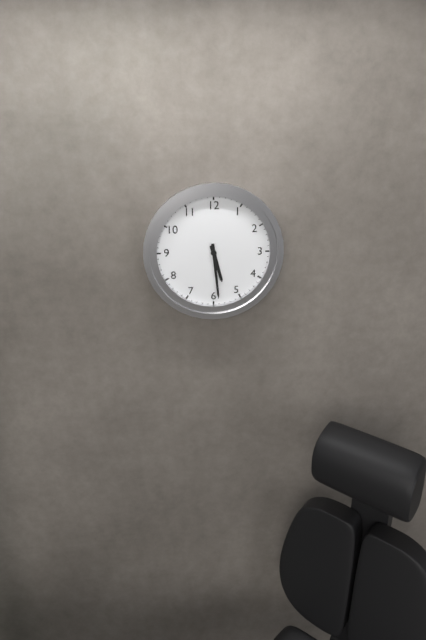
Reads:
5,29
